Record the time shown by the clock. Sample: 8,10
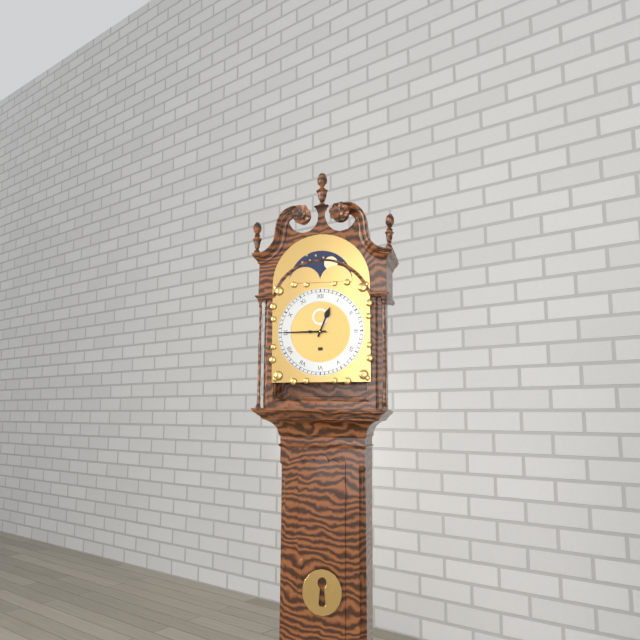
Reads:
12,45
